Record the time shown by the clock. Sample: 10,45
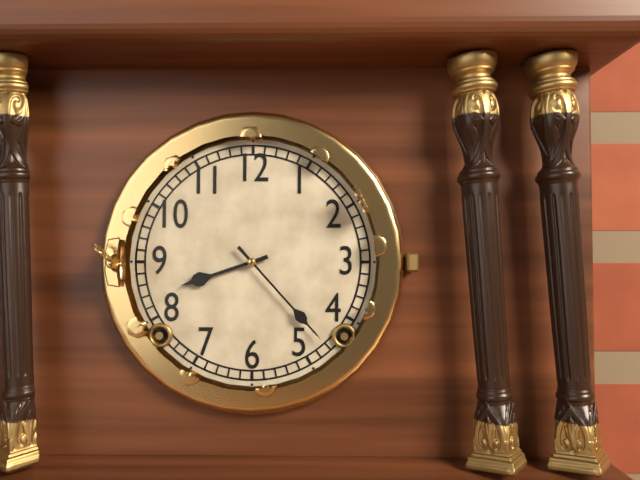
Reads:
8,23
